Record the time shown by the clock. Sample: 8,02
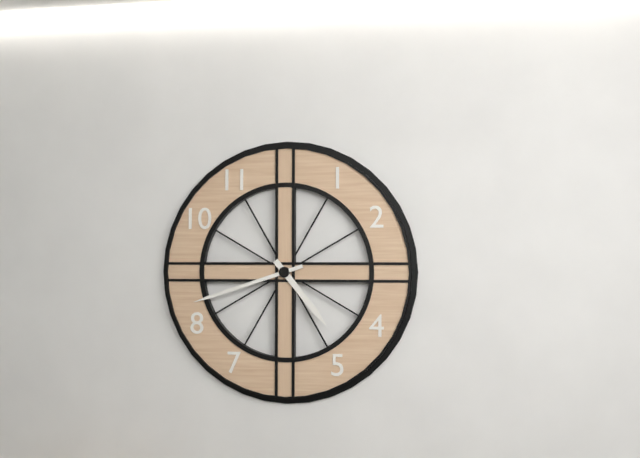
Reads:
4,42
